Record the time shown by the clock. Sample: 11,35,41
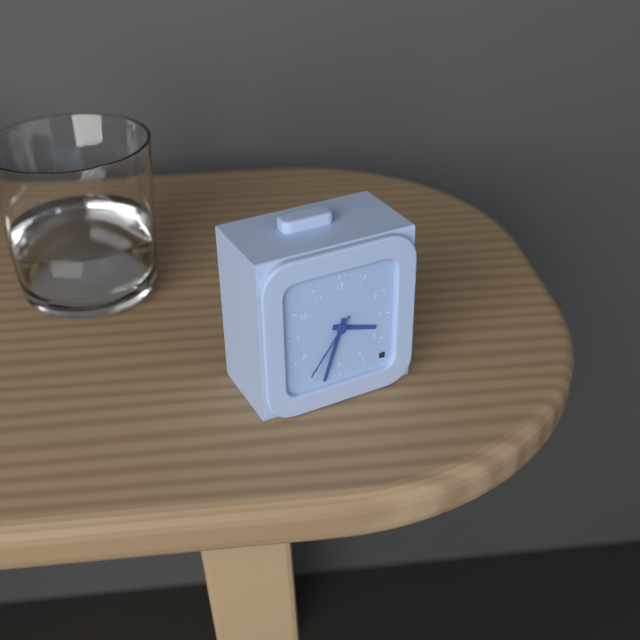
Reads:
3,33,36
